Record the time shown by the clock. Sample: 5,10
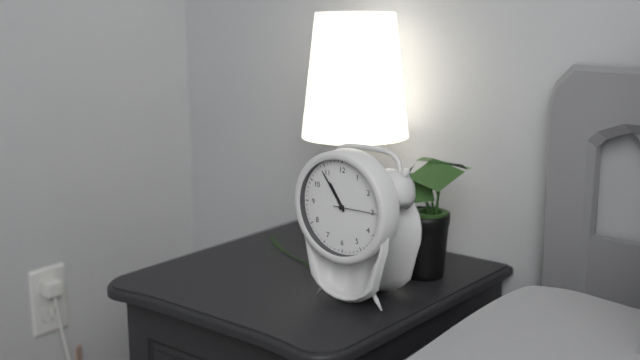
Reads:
10,54
